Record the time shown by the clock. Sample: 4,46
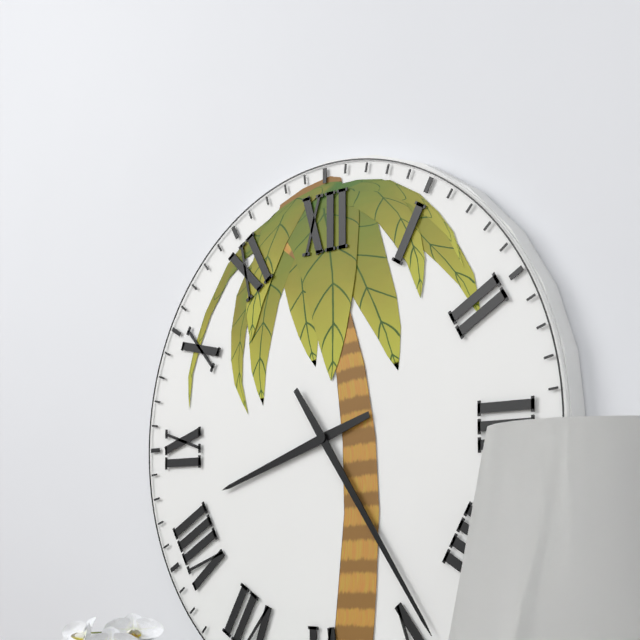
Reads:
8,24
